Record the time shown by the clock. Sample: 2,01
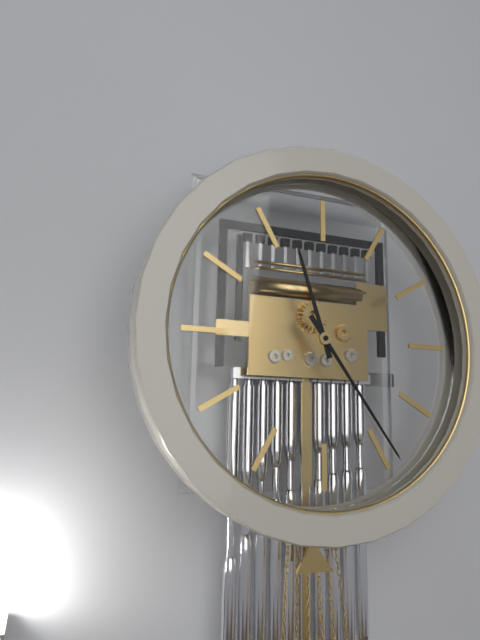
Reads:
11,24
